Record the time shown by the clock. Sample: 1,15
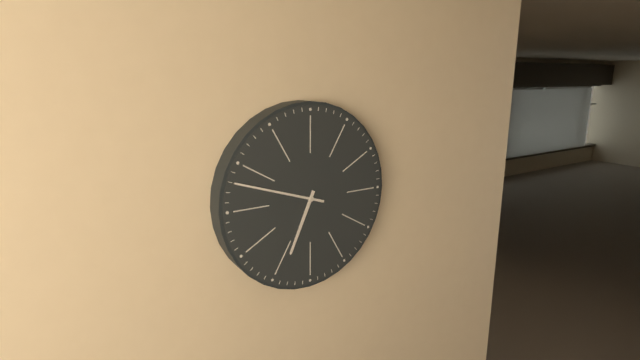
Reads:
6,48
